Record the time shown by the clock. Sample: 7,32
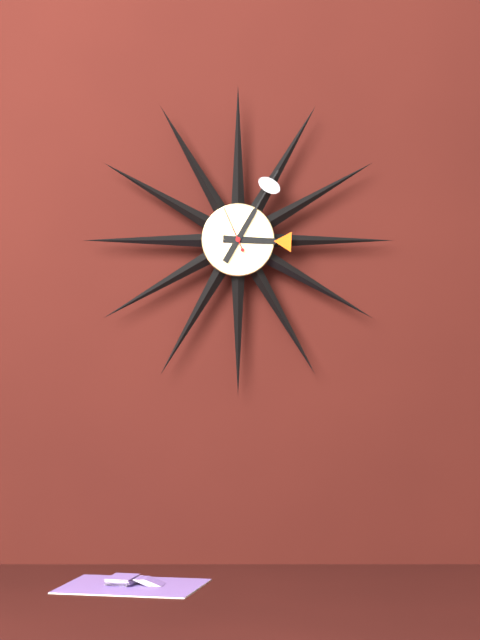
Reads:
3,05
